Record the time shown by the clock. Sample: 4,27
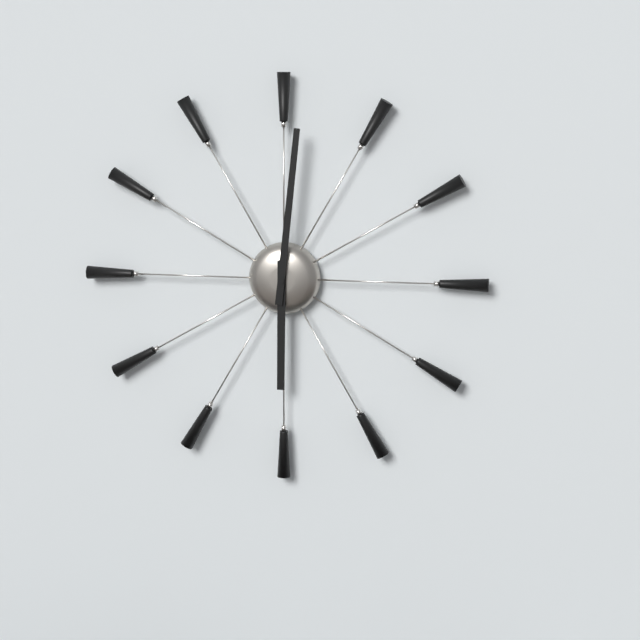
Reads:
6,01
